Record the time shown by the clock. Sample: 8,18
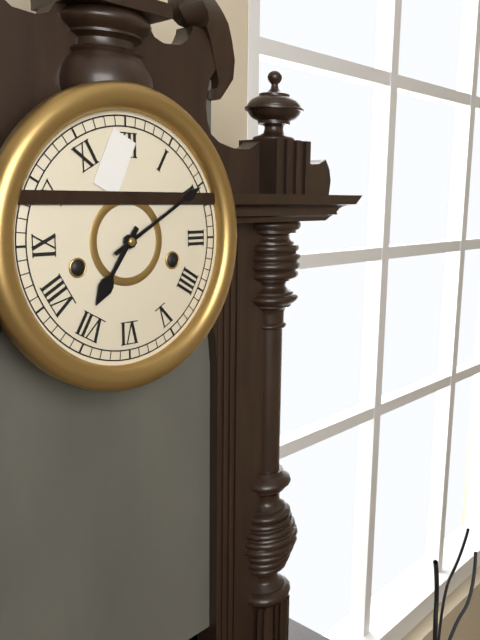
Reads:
7,10
